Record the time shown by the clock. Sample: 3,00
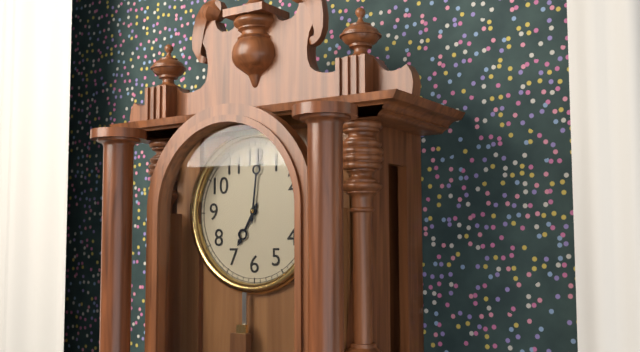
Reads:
7,01
